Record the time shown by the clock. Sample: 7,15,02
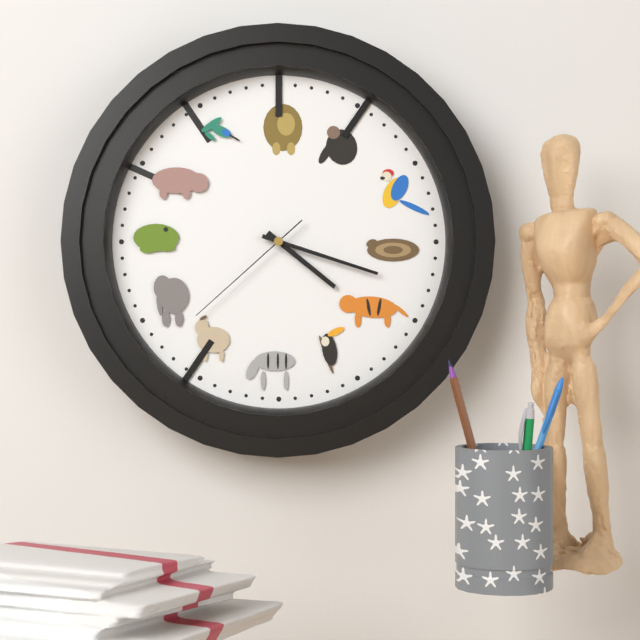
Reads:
4,18,38
